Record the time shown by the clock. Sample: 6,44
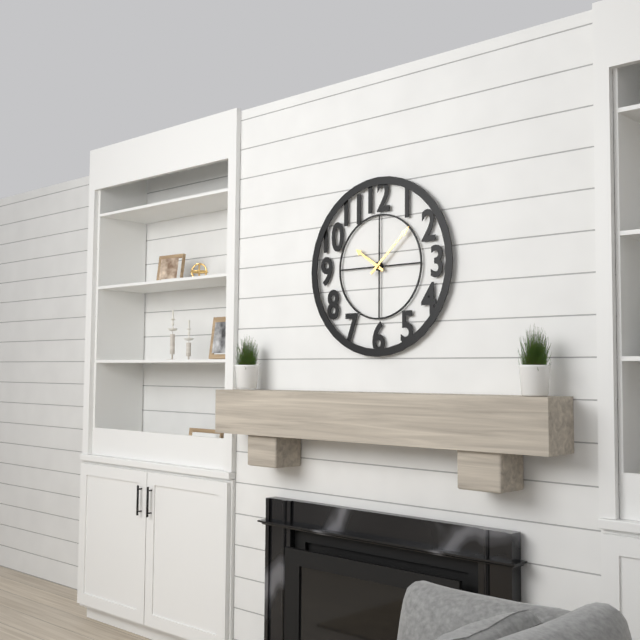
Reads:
10,08
